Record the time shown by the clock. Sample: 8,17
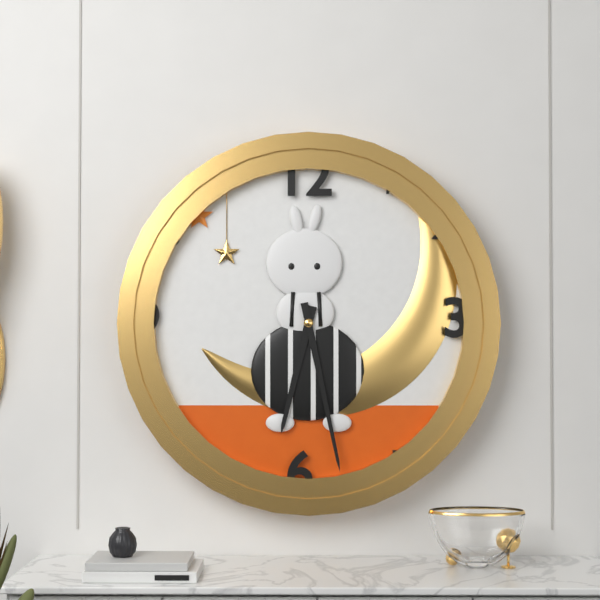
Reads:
6,28
